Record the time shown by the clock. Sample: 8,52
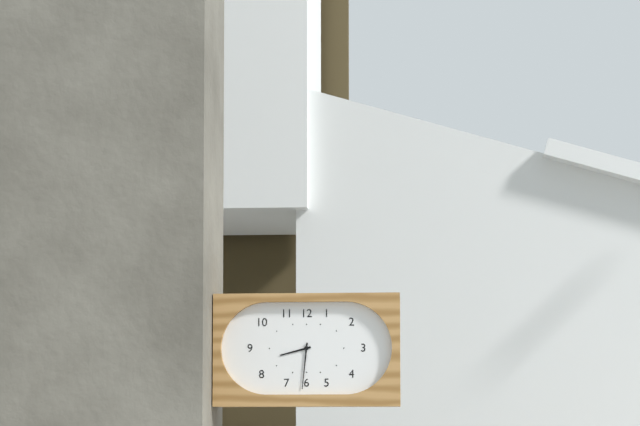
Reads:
8,31
